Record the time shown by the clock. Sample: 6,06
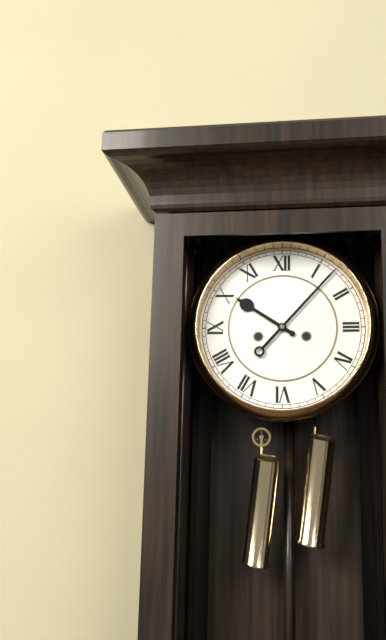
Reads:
10,07
